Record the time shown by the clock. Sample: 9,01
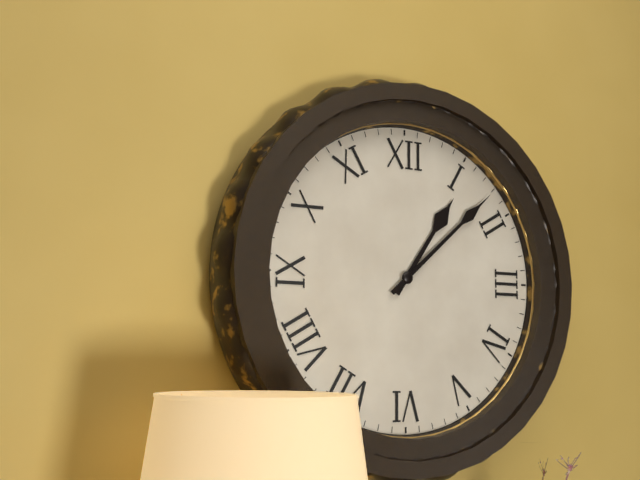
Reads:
1,08
